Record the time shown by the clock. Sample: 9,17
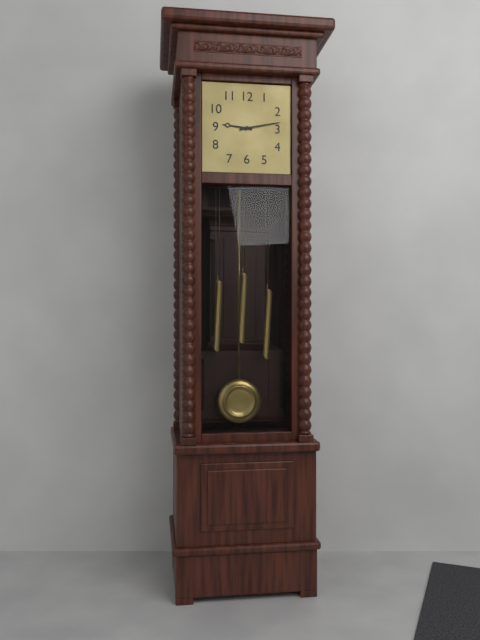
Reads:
9,13
